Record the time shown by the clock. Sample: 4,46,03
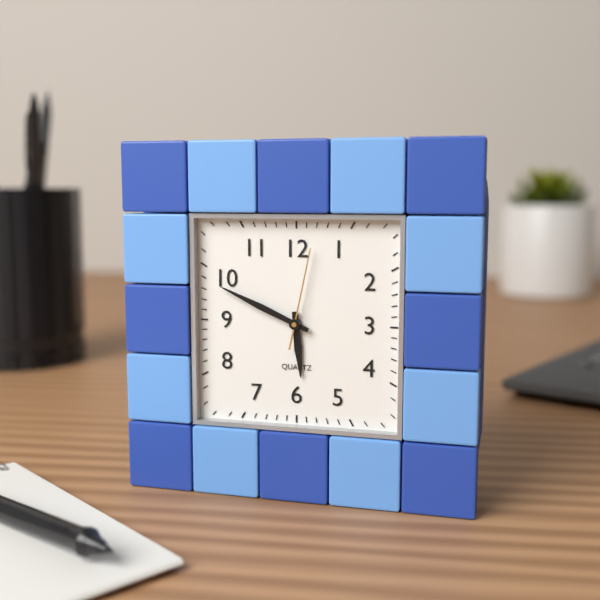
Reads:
5,49,02
